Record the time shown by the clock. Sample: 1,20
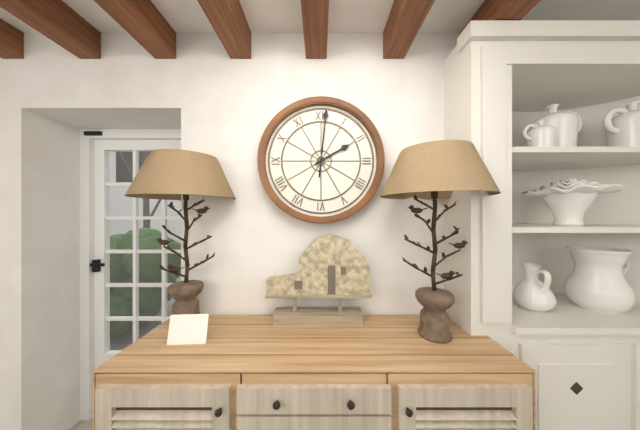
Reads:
2,01
